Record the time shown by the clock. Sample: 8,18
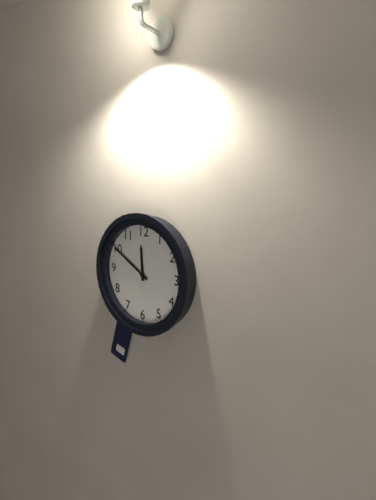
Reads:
11,50
